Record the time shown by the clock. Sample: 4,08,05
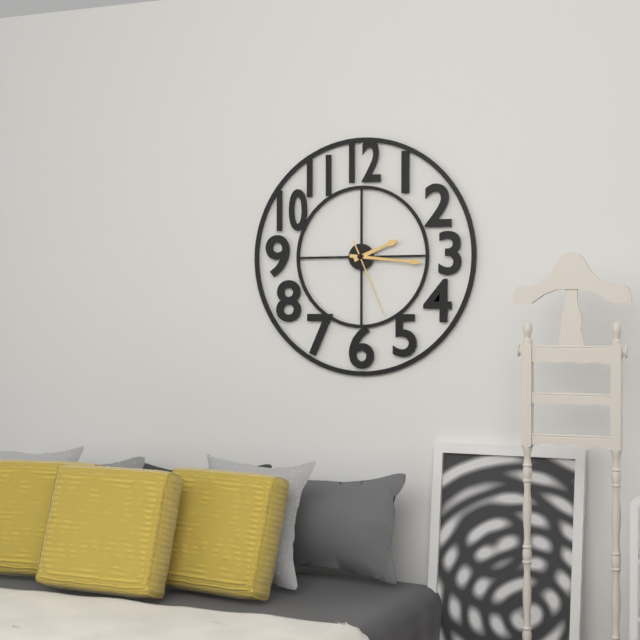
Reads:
2,16,26
